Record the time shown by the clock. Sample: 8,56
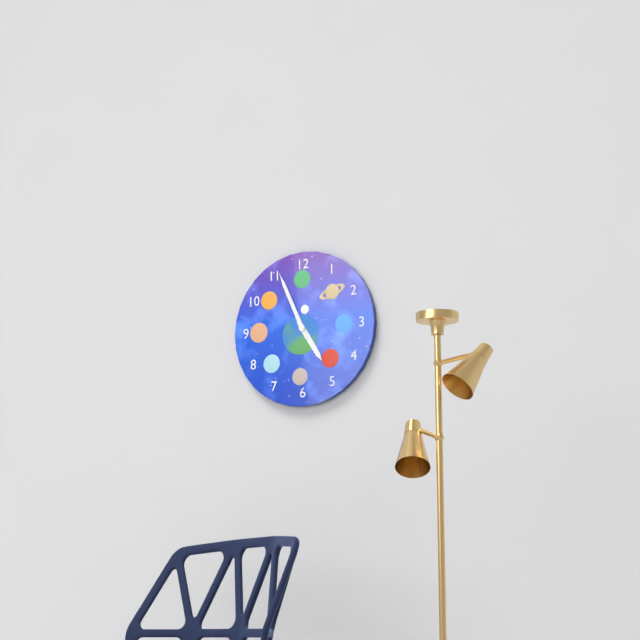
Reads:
4,56
